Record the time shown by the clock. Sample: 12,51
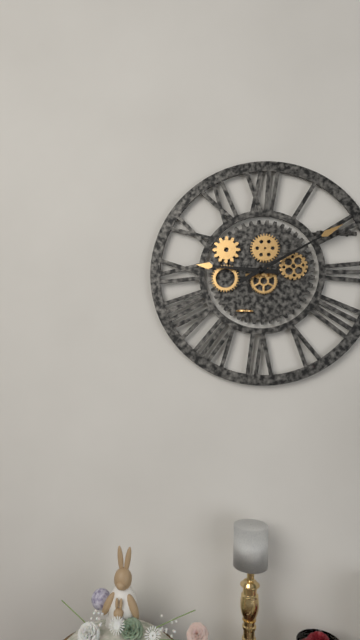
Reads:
9,10
